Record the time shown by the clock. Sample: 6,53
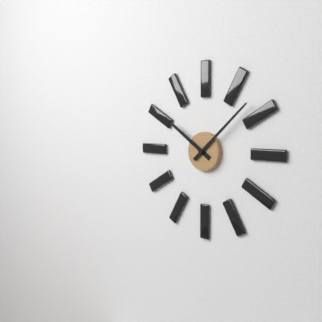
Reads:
10,08
